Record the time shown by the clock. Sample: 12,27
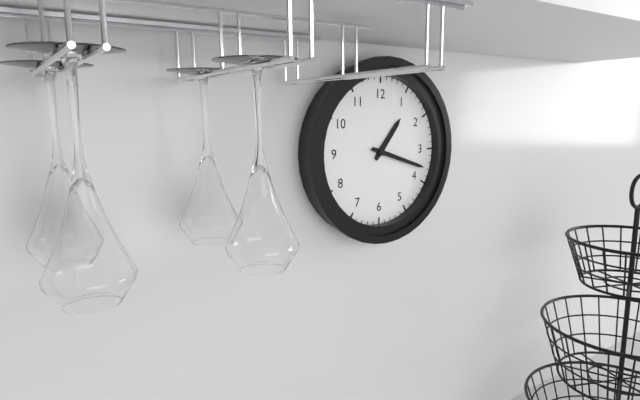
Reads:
1,18
